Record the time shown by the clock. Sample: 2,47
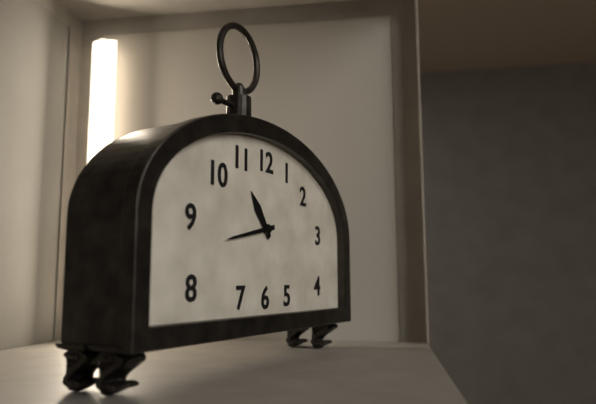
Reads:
10,43
